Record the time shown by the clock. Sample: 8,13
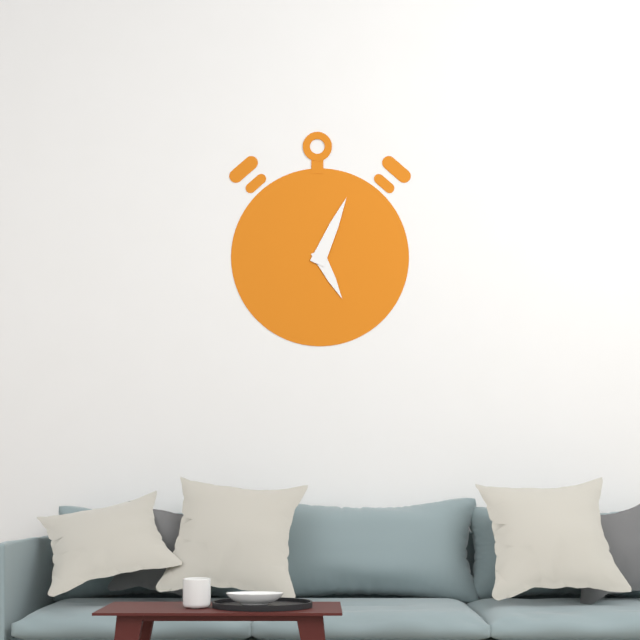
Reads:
5,04
